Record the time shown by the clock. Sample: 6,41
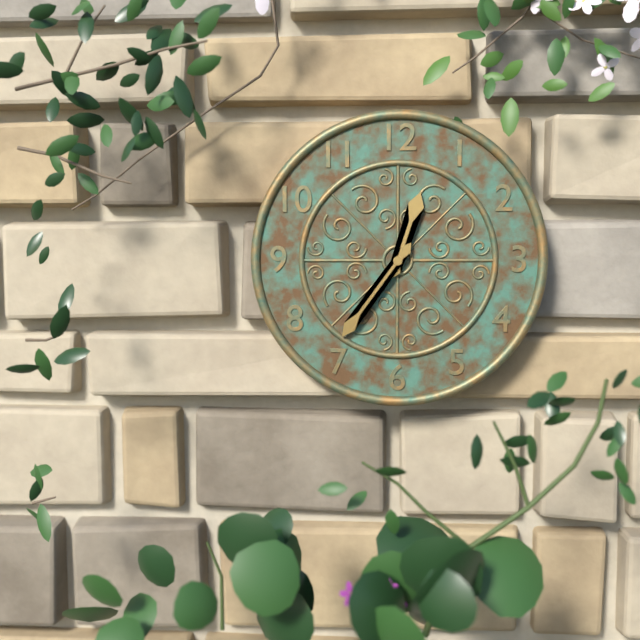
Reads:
12,36
